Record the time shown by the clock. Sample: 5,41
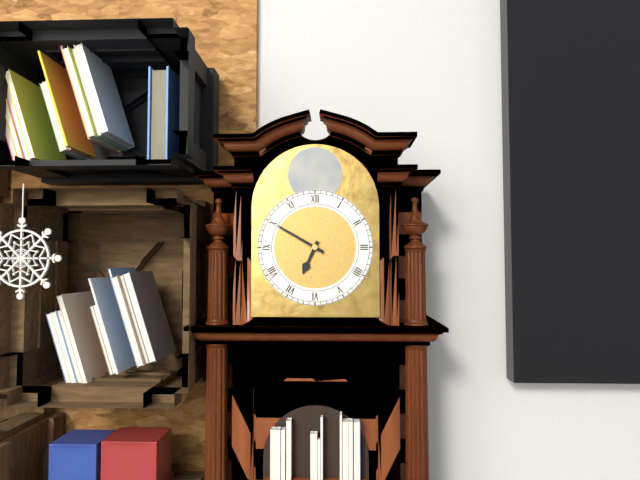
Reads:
6,50
